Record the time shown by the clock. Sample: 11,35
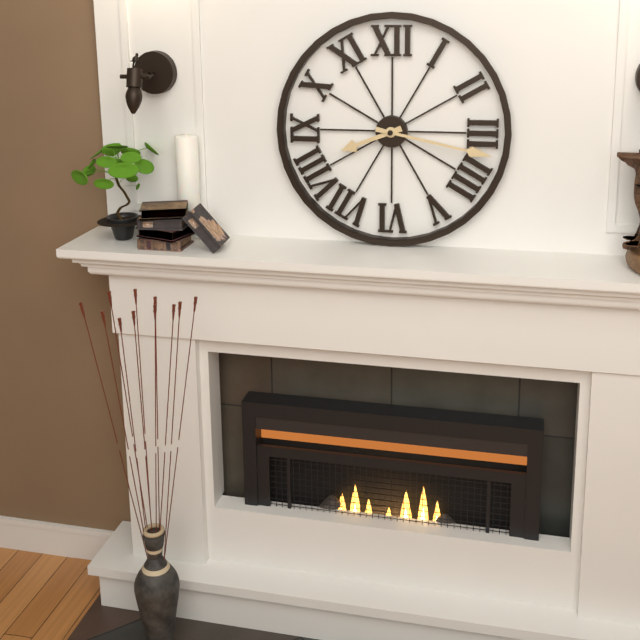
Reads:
8,17
